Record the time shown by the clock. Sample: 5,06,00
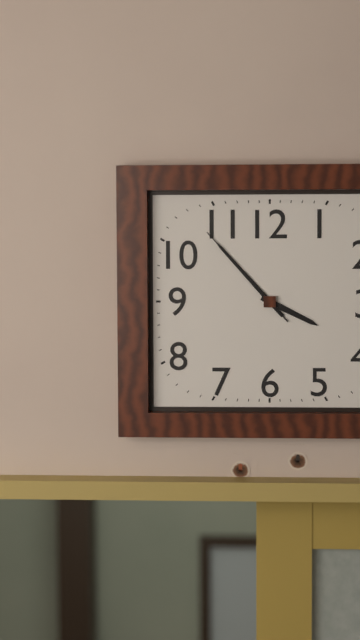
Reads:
3,53,53
